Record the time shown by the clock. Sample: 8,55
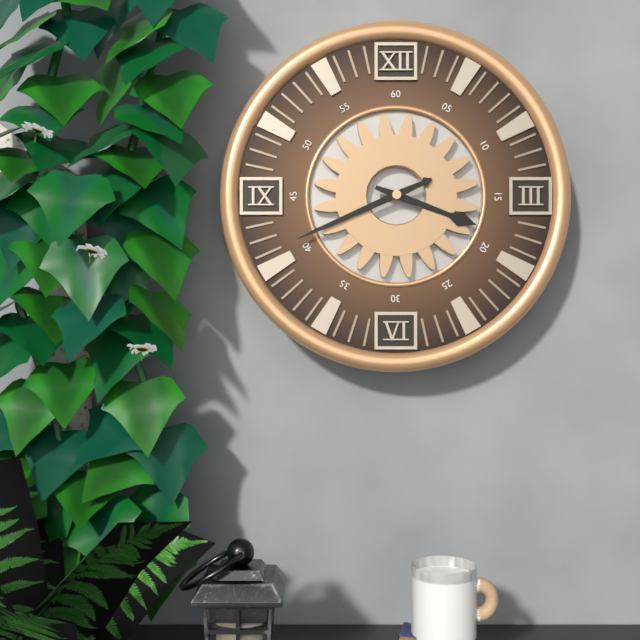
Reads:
3,41
